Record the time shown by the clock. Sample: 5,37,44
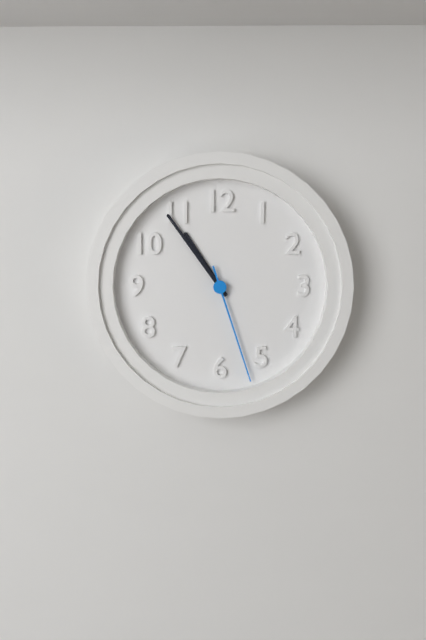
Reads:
10,54,27
